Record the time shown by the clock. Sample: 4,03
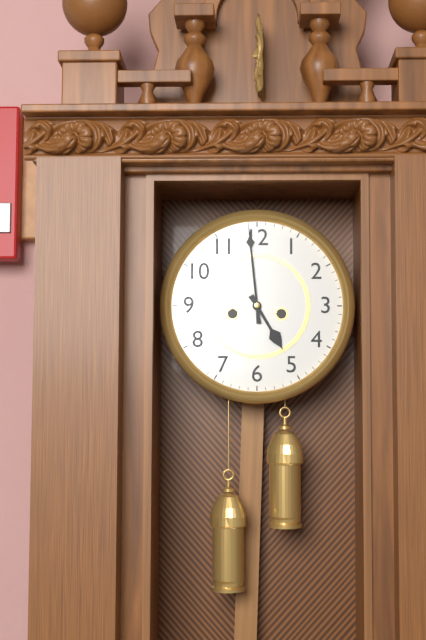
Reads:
4,59
